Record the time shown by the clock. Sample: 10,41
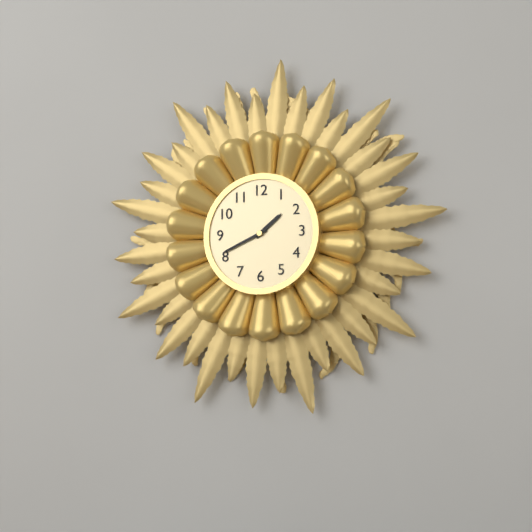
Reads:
1,41
